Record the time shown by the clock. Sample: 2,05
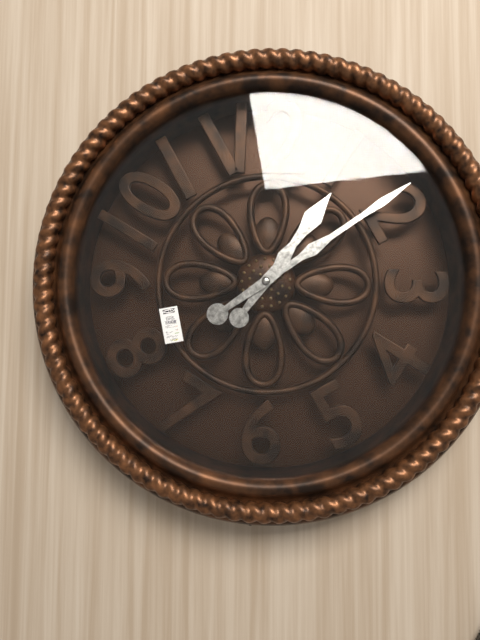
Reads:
1,09
